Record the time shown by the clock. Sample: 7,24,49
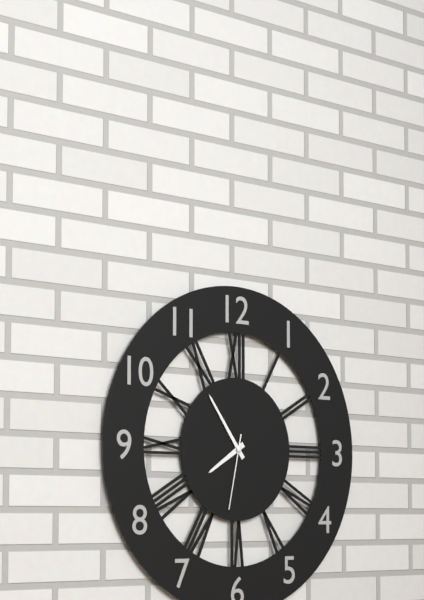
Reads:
7,54,32
